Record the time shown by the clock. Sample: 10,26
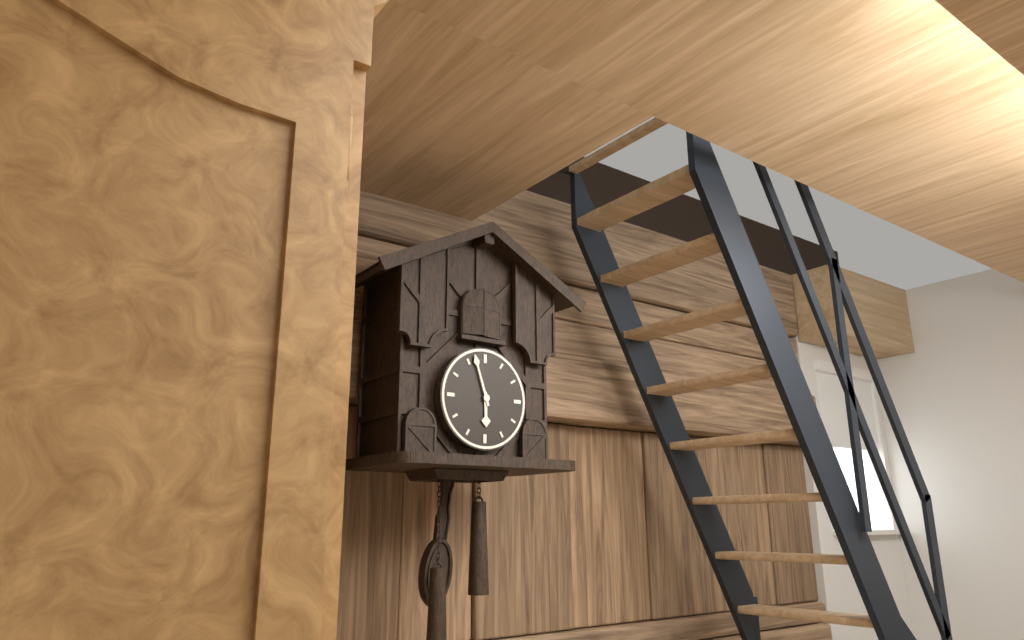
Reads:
5,57
